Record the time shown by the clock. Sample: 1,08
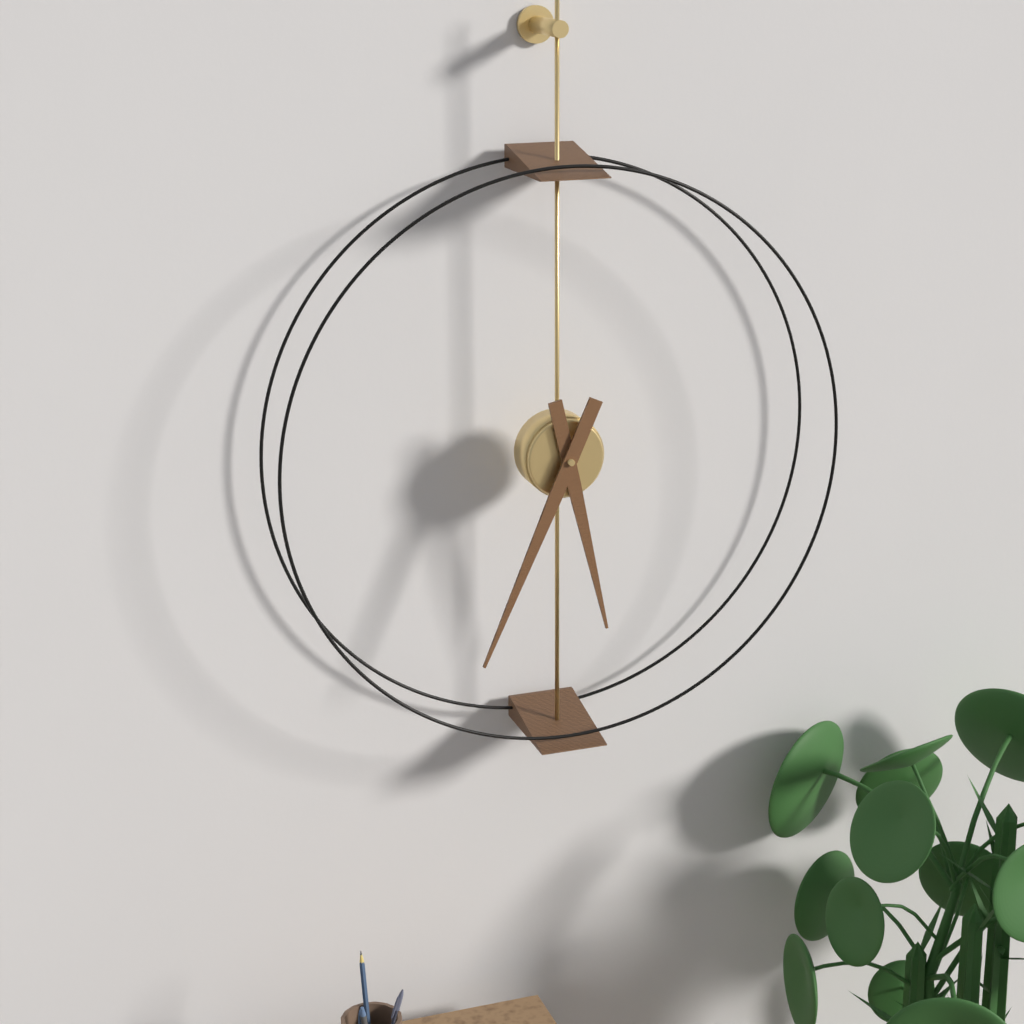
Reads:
5,34
